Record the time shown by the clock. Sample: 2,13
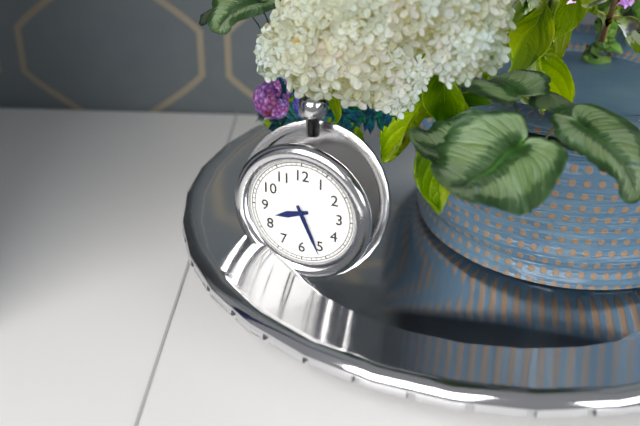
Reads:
8,26
